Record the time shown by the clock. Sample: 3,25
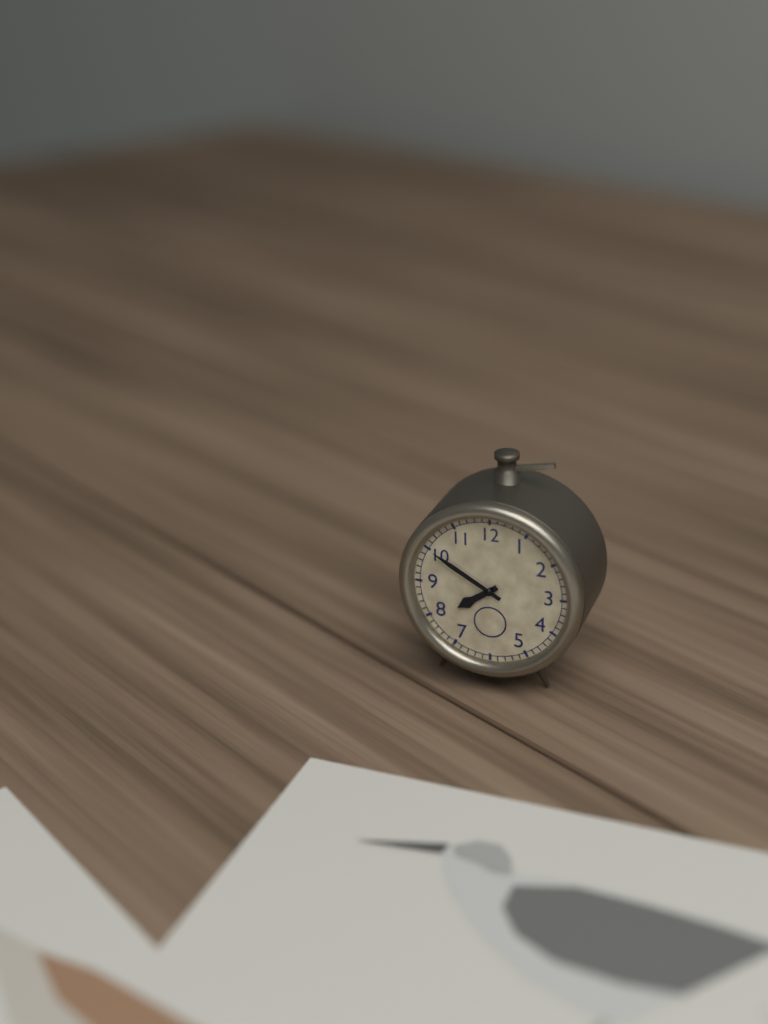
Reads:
7,50
